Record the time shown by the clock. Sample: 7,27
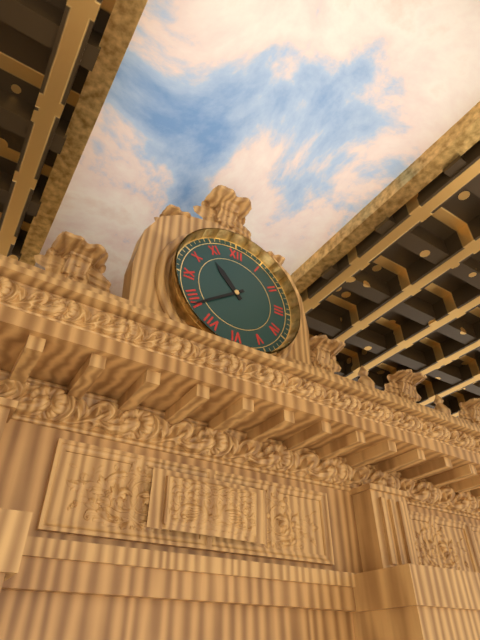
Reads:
10,39
